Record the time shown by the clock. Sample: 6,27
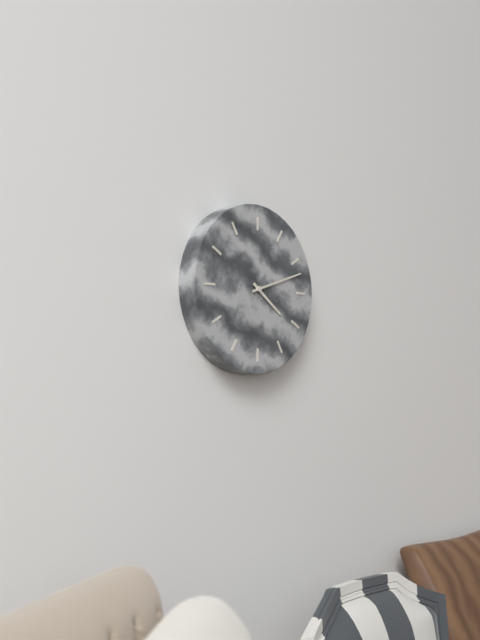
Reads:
4,12
